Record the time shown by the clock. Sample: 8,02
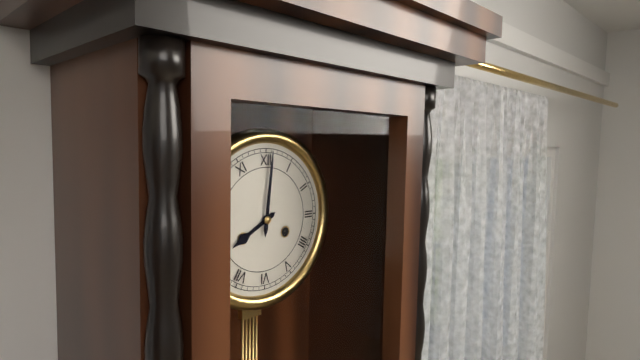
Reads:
8,01
